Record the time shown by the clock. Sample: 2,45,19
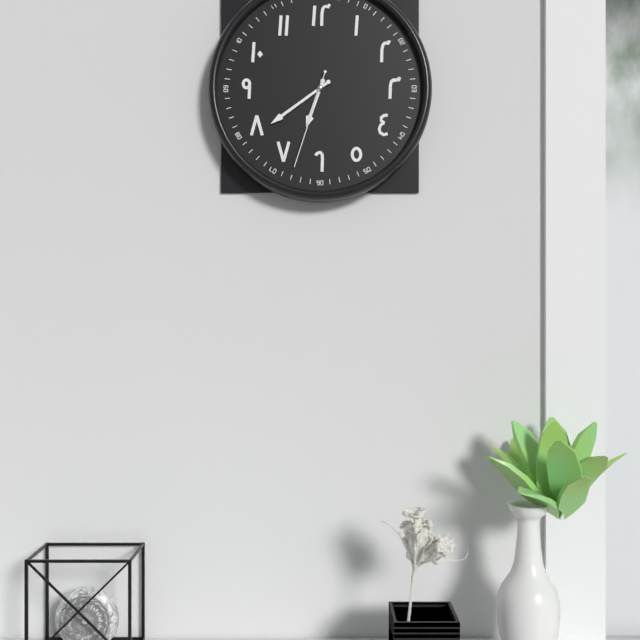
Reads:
6,39,33
